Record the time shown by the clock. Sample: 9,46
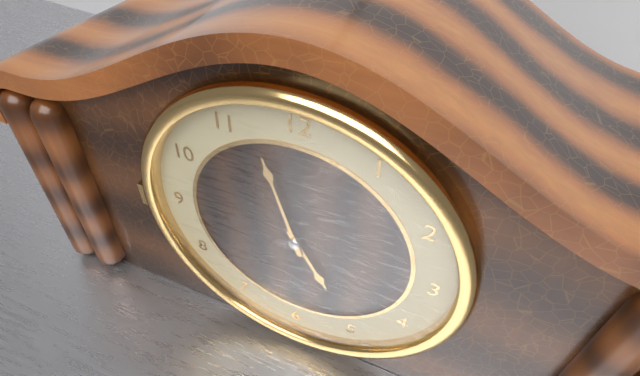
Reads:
4,57
